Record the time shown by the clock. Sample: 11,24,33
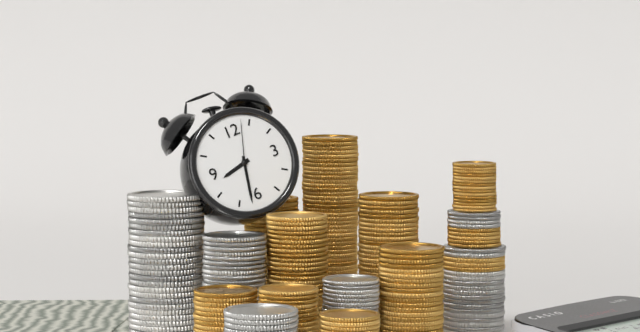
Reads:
8,32,03
